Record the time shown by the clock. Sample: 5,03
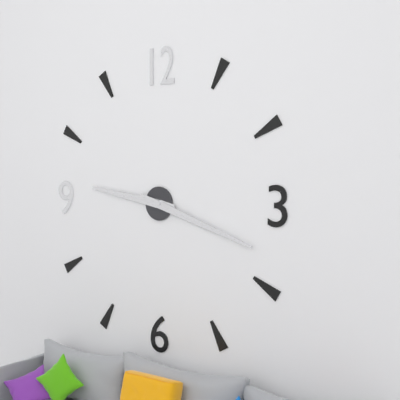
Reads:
9,18
